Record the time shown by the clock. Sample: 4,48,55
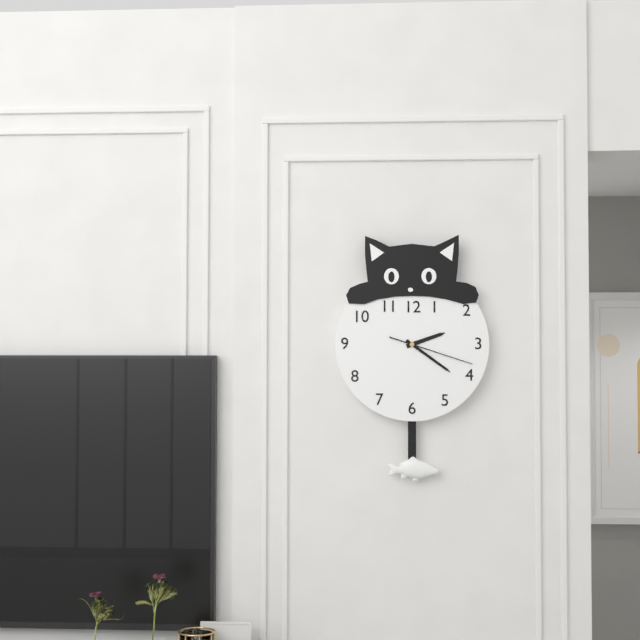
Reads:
2,21,18
